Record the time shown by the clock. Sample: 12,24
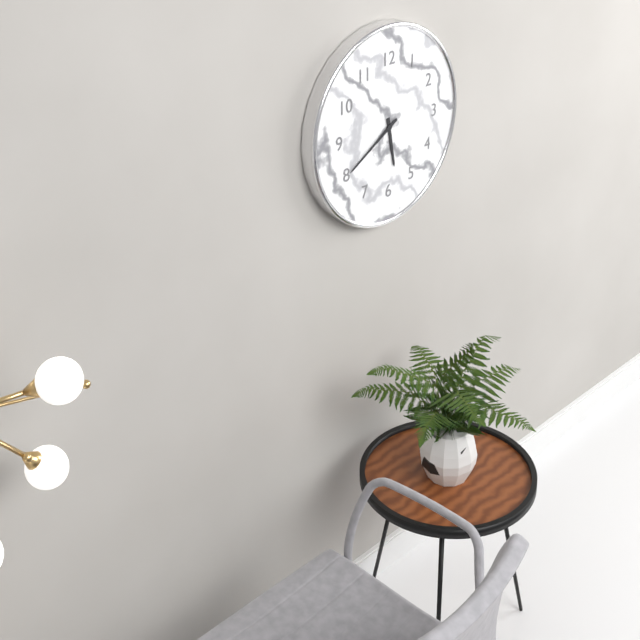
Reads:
5,40
